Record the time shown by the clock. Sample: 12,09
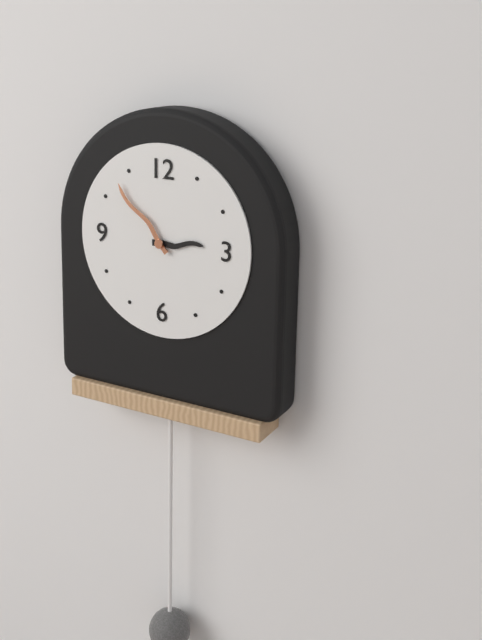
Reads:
2,53
